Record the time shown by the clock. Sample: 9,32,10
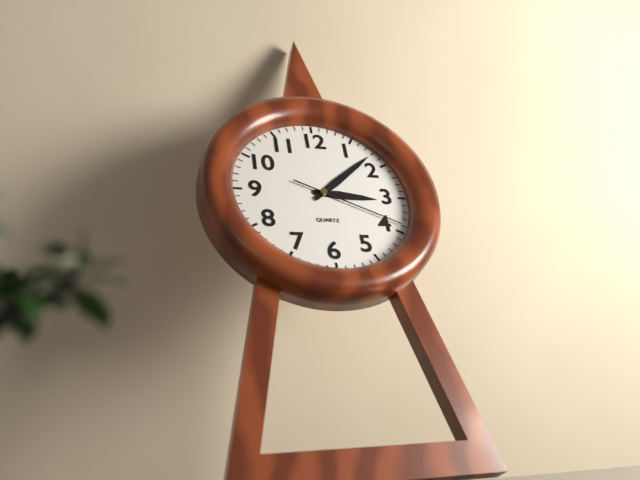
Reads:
3,08,19
